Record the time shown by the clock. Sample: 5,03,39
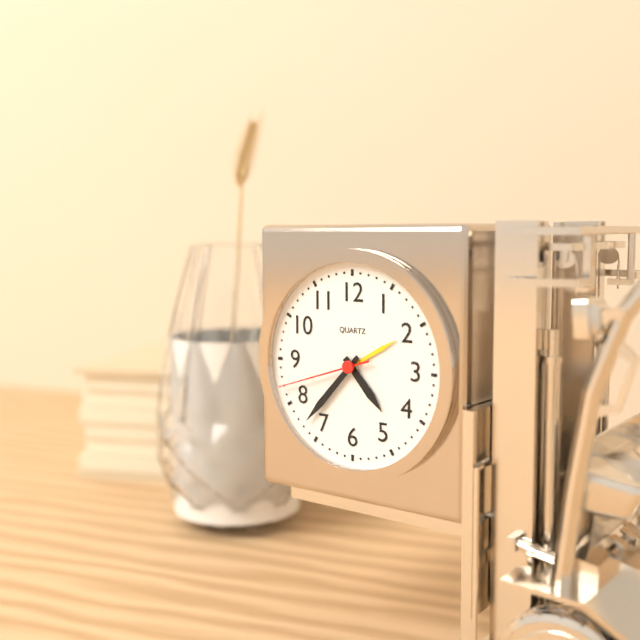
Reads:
4,37,42
